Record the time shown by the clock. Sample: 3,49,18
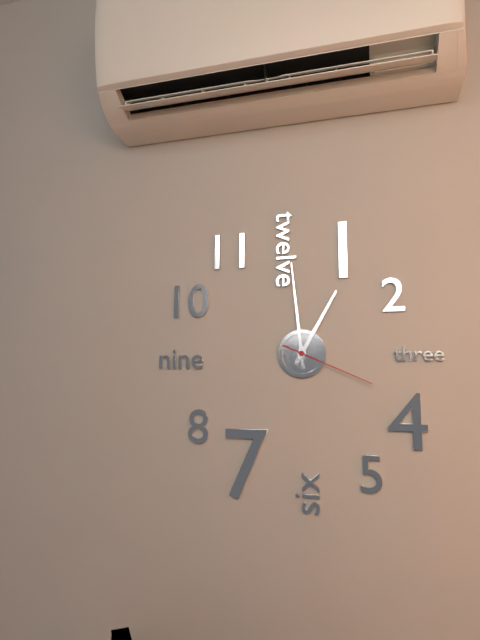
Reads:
12,59,19
